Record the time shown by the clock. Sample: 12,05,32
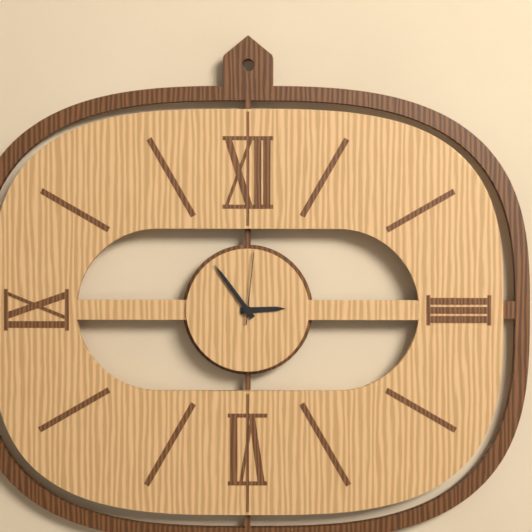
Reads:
2,54,01
